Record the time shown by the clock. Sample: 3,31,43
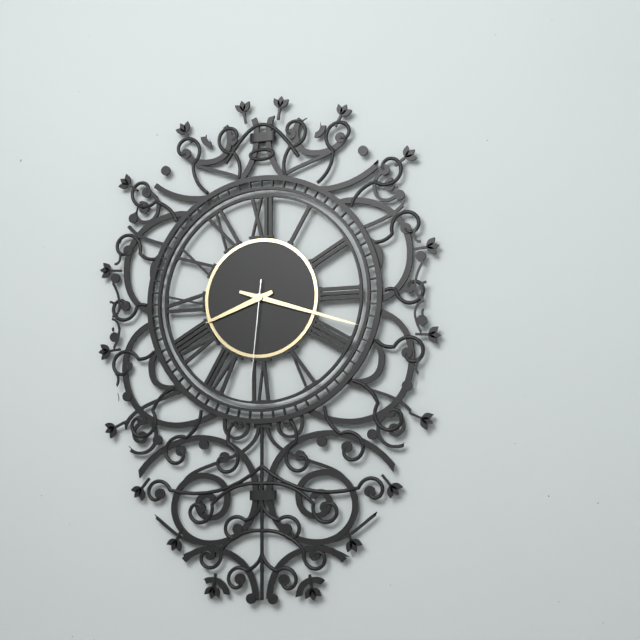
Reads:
8,18,31
